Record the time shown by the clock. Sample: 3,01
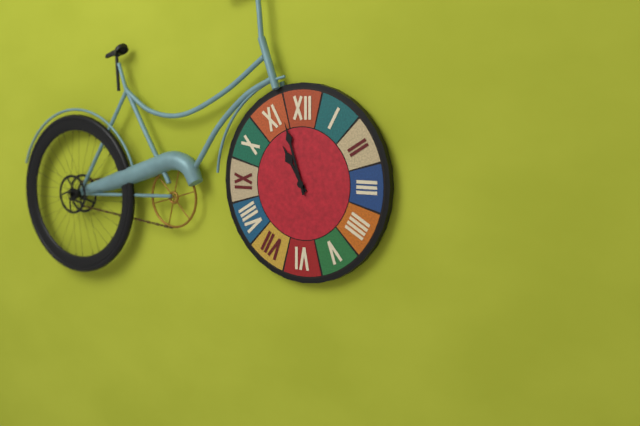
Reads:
10,57
